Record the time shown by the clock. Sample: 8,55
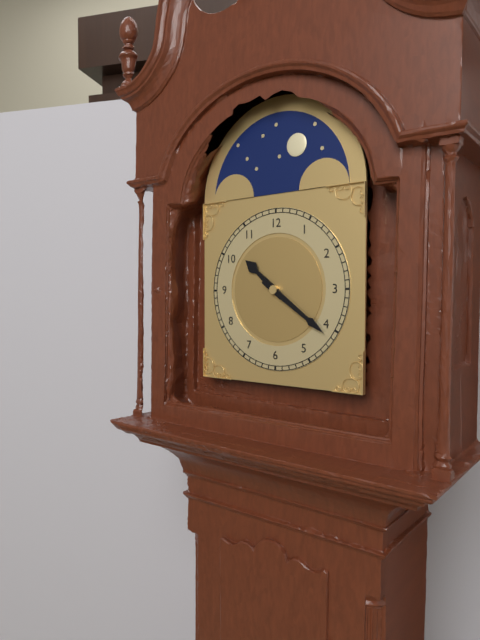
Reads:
10,21
